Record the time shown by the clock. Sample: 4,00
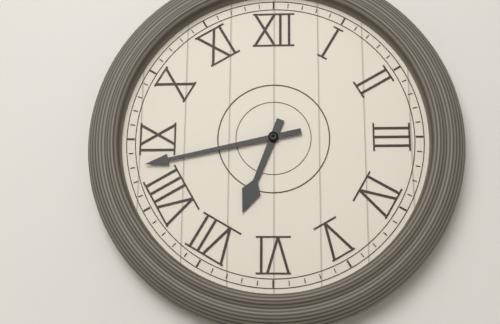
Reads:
6,43
